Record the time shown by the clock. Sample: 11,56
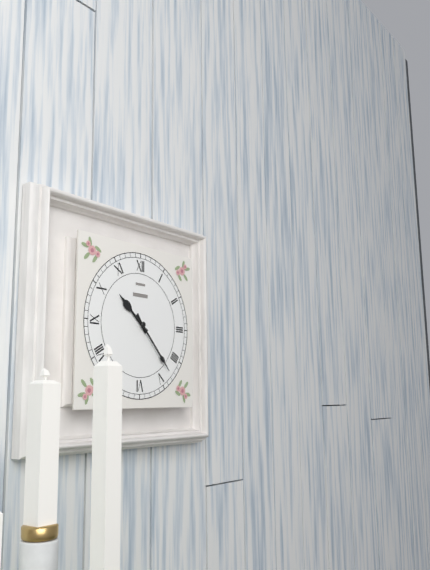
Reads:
10,23
